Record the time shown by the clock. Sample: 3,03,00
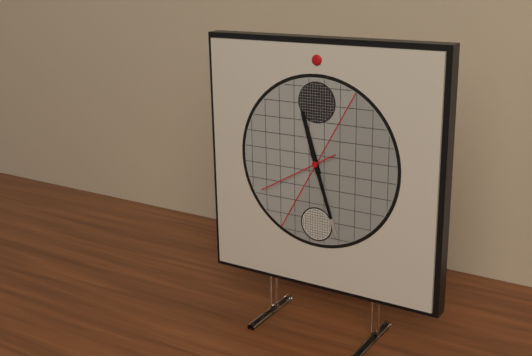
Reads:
11,27,40
